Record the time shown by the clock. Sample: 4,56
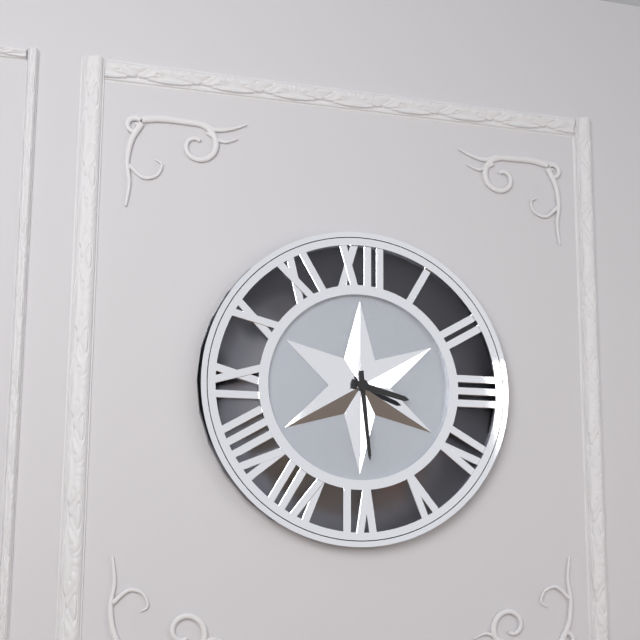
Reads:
3,29
